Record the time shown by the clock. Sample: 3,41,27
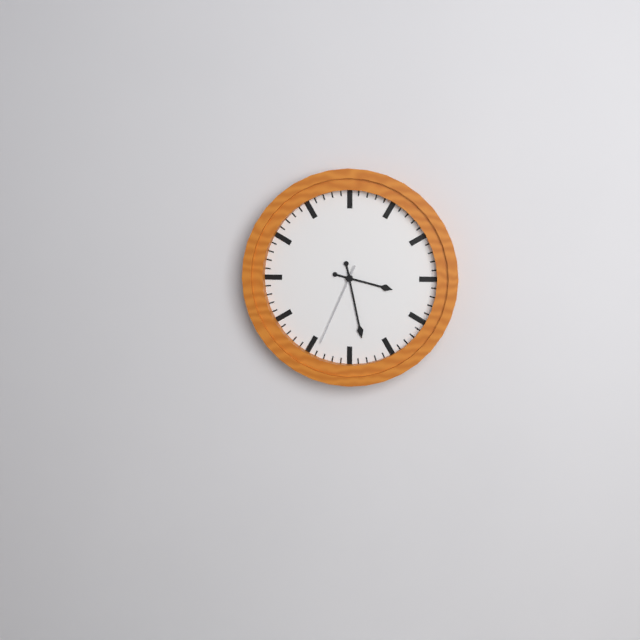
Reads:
3,28,34
